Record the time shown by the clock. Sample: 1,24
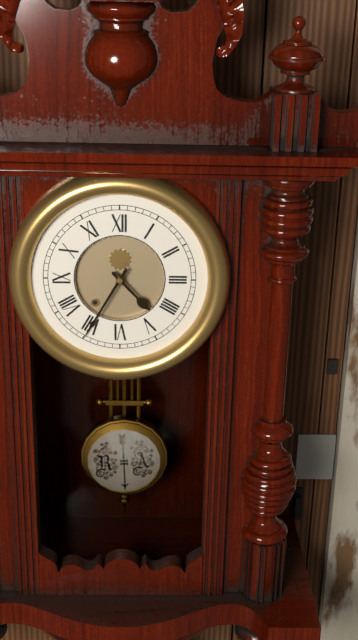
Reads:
4,35
